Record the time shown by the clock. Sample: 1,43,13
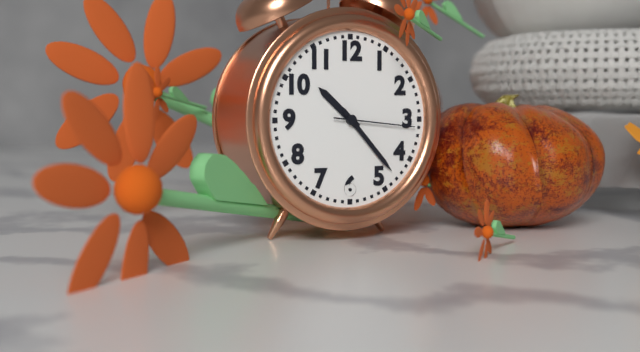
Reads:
10,23,16
